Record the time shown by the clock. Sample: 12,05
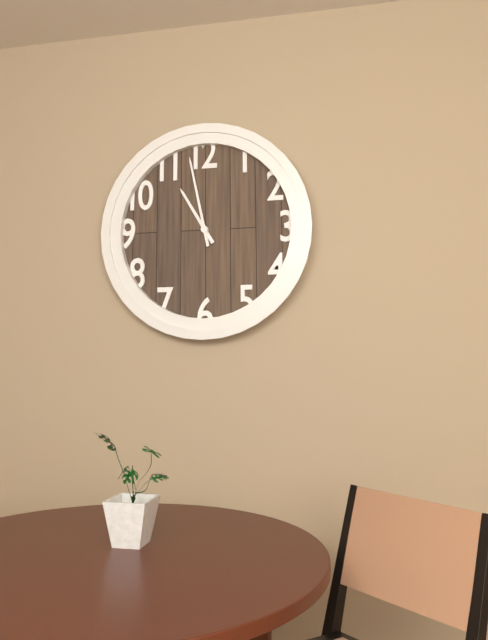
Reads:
10,58
